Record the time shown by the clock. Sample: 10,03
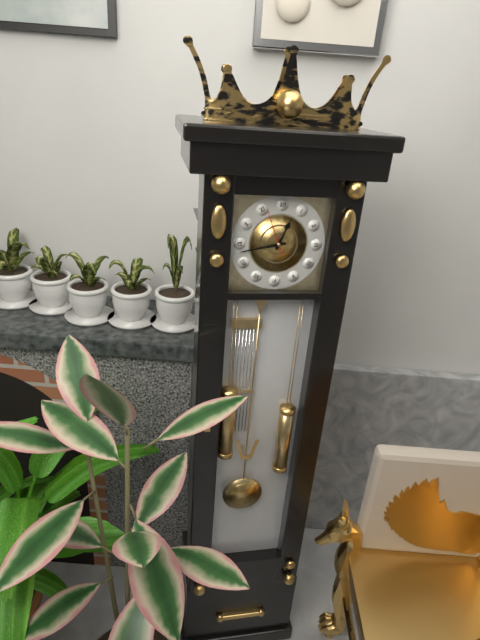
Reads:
12,43
